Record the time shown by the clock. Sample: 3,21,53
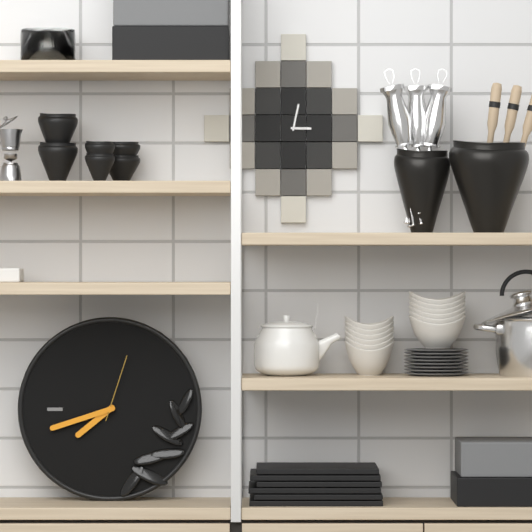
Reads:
7,42,03
